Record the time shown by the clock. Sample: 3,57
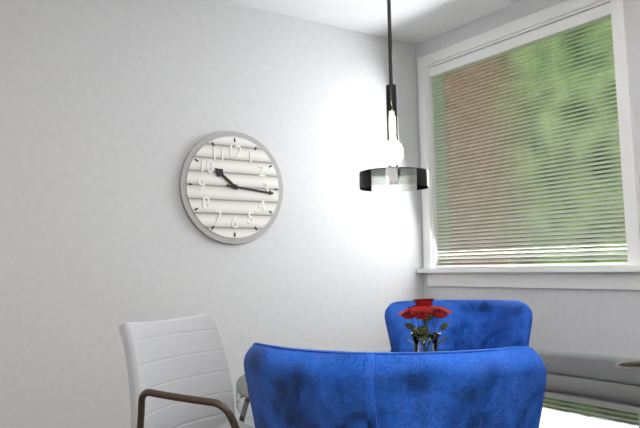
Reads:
10,16
